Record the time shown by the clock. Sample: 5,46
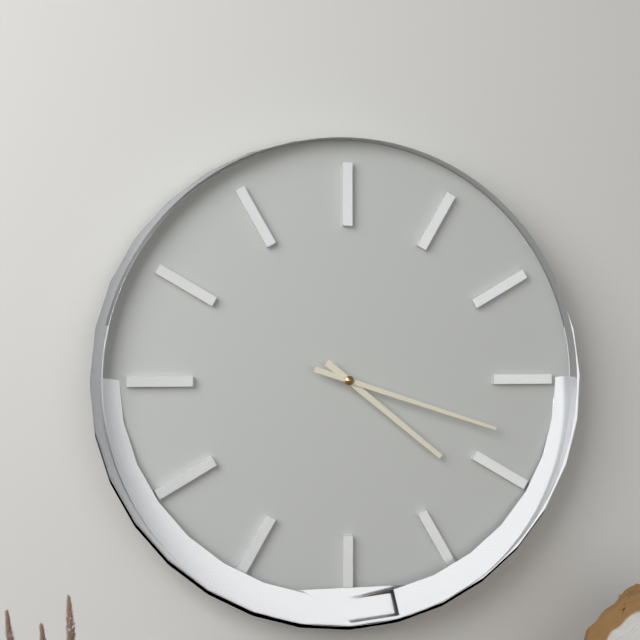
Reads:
4,18
